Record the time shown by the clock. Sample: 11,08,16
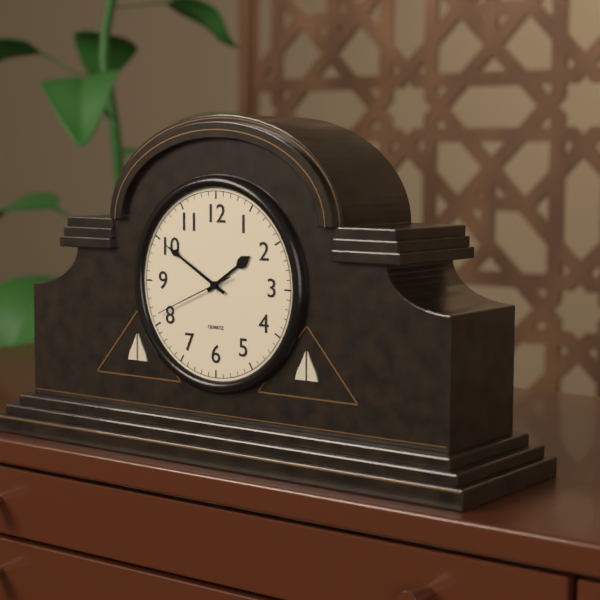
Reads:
1,50,41
